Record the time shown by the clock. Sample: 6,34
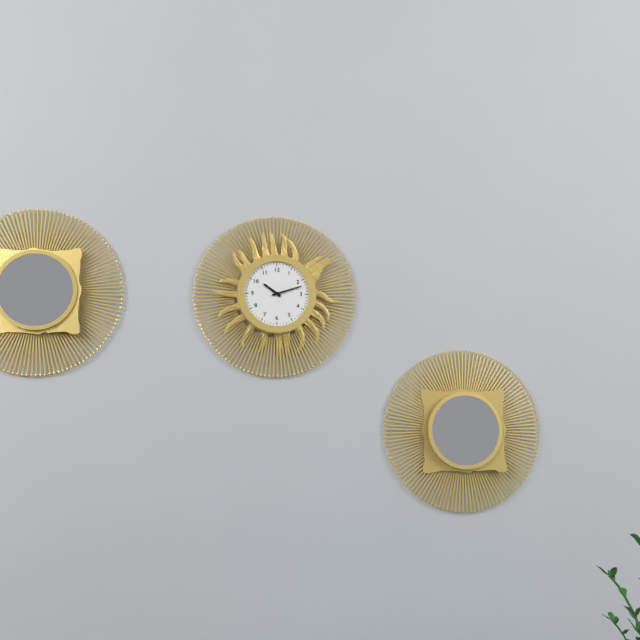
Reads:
10,12
